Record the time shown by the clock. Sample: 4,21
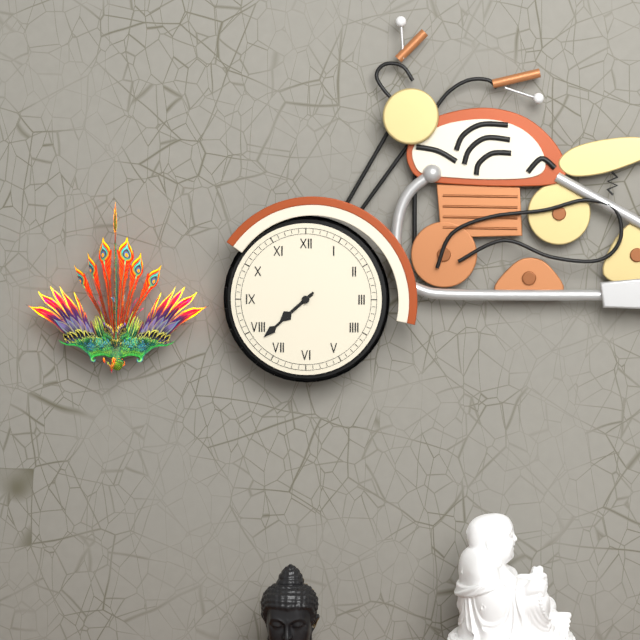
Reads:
7,38
